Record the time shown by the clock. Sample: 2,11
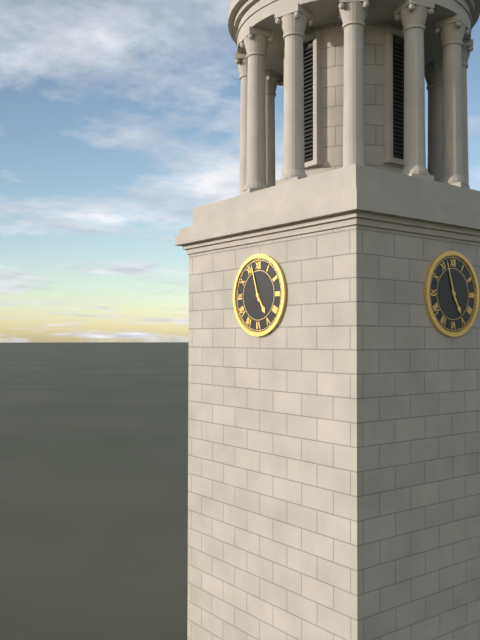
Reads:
4,57
